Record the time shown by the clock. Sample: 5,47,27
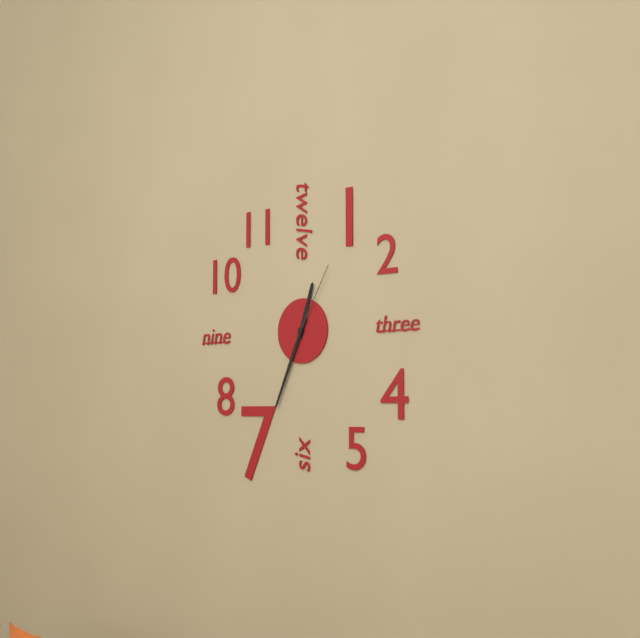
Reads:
12,34,05
